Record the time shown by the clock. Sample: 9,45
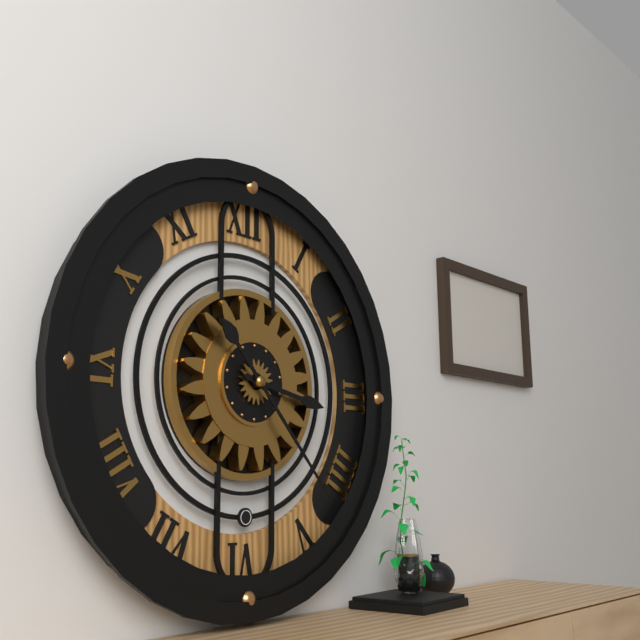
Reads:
3,23
